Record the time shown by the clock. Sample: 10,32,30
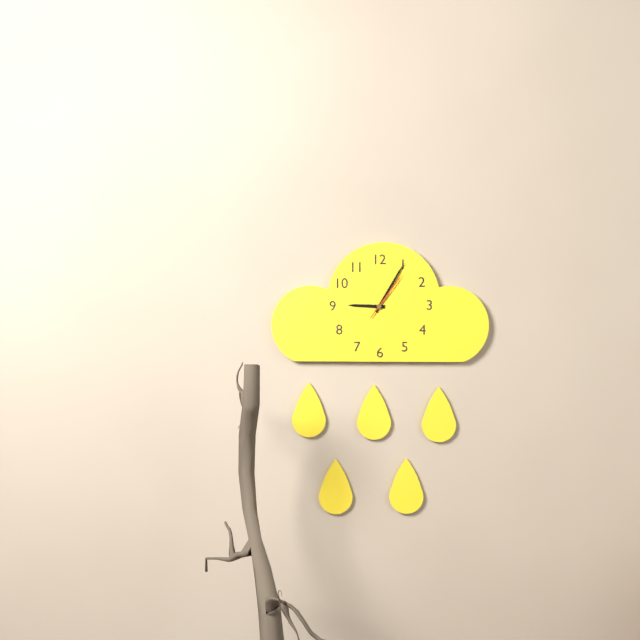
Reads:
9,05,06
